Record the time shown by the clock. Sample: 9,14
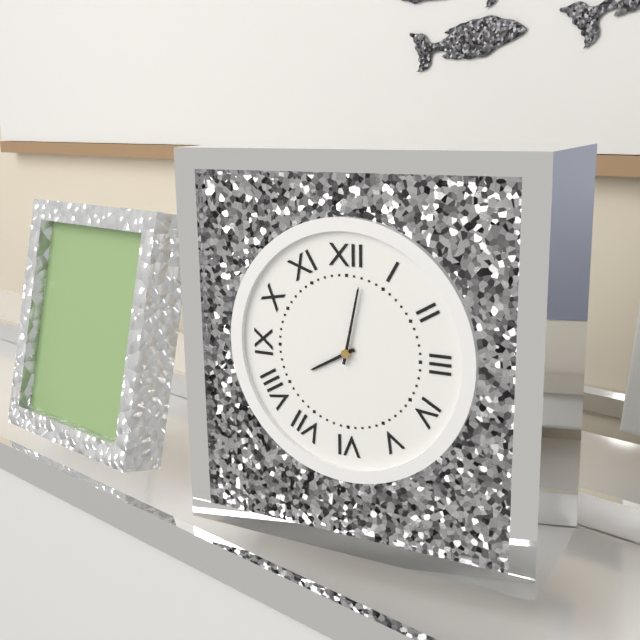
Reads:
8,02
